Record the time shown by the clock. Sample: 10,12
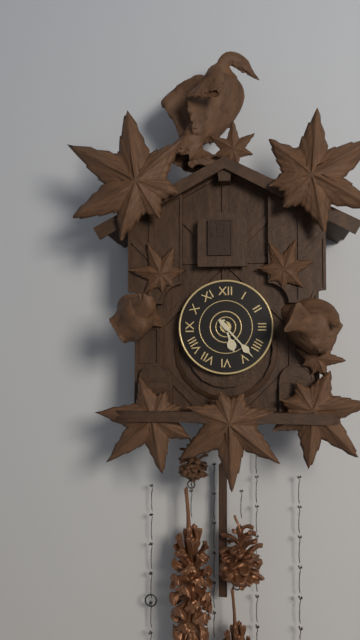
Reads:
5,23
